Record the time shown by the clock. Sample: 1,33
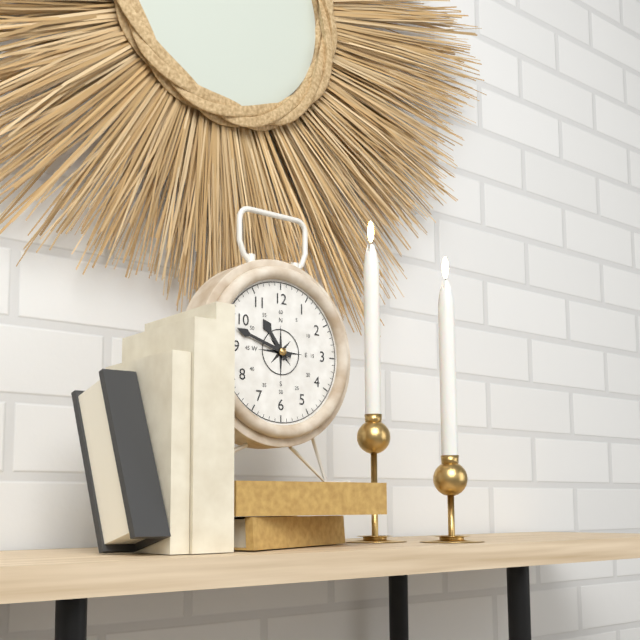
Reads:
10,48
